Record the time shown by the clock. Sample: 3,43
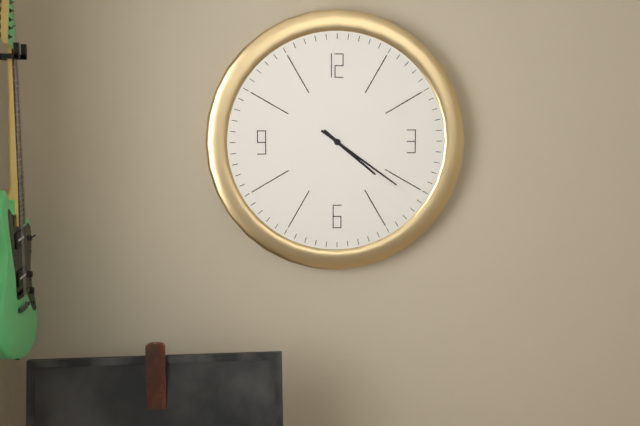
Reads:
4,21
